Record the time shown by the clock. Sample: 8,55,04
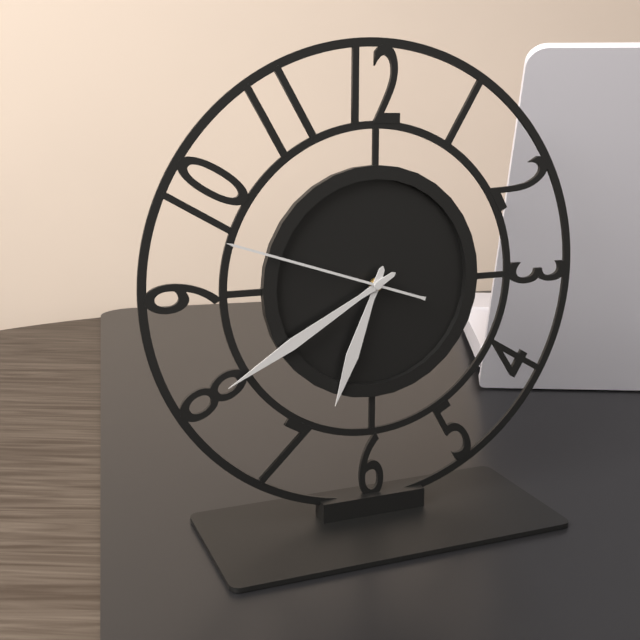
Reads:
6,40,48
